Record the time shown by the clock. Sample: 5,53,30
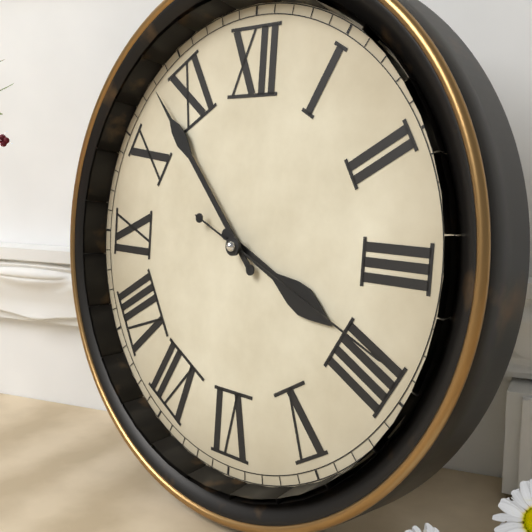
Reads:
3,53,19
